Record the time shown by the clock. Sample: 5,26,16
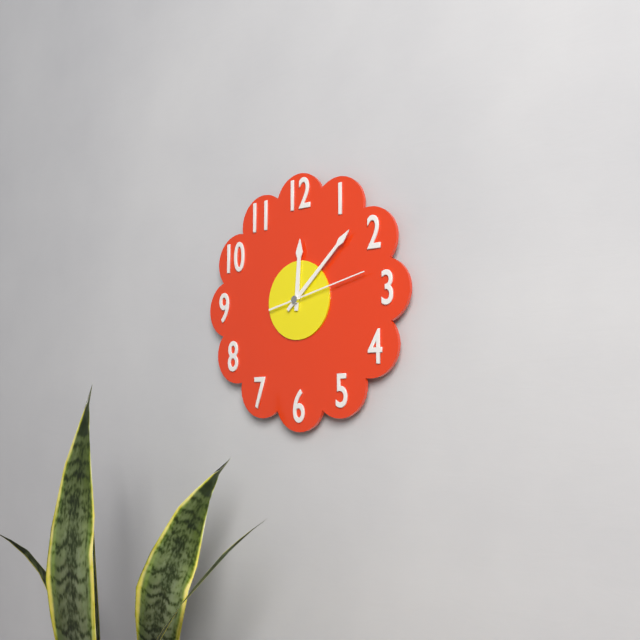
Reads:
12,08,13
